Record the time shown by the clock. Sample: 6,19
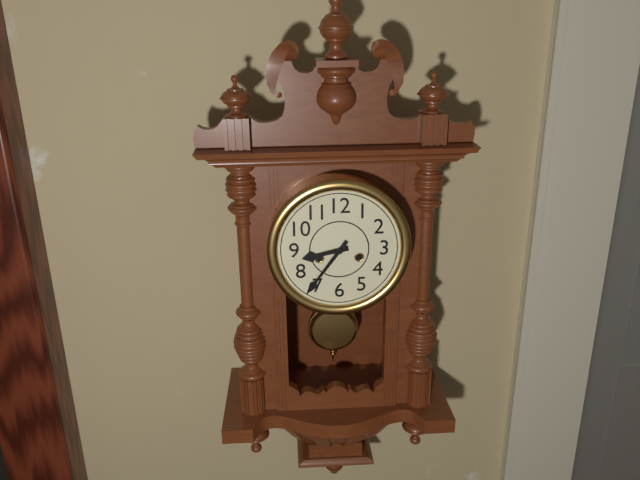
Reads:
8,36
